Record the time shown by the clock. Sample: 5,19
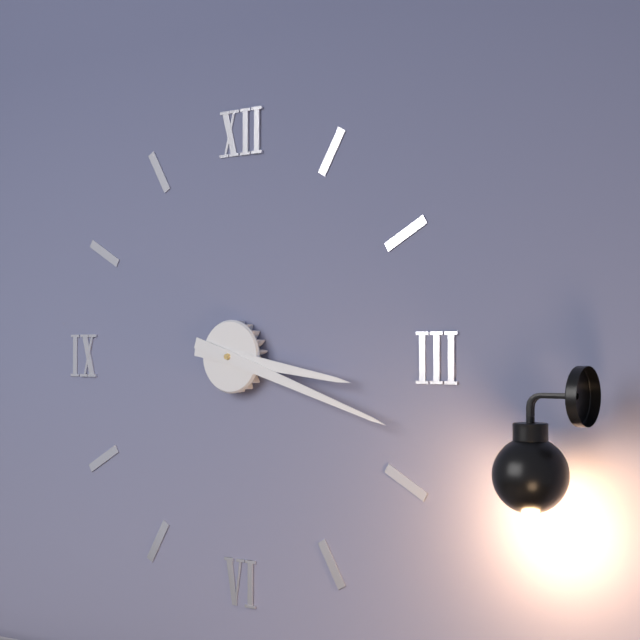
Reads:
3,18
